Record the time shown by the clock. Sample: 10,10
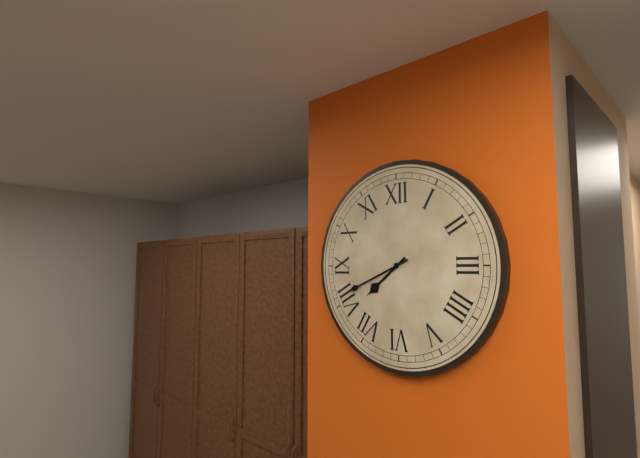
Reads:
7,41
